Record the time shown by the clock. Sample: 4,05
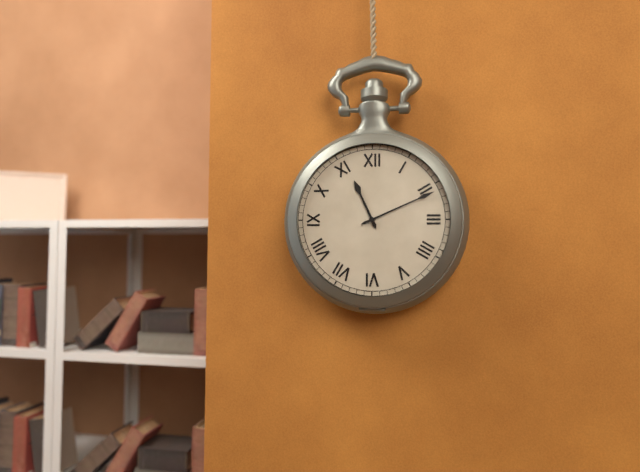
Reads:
11,11
